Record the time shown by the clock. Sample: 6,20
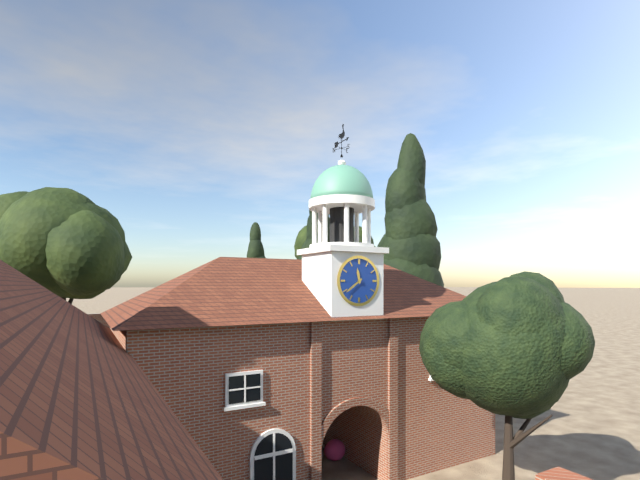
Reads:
11,39
